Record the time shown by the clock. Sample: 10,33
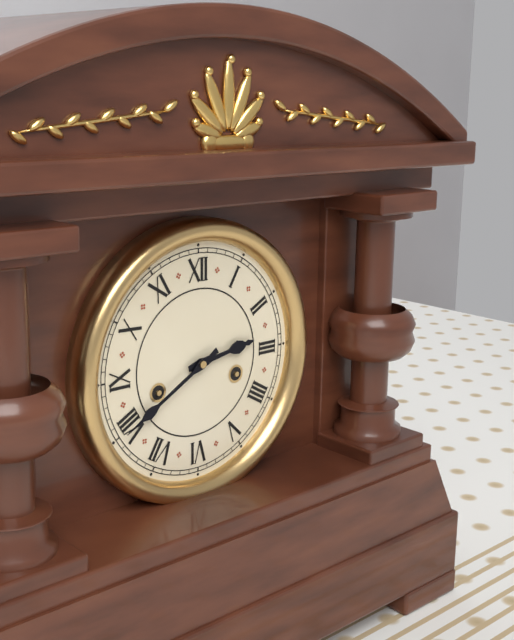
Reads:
2,40
